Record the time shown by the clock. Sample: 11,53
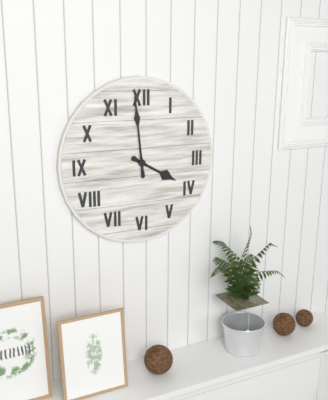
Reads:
3,59
